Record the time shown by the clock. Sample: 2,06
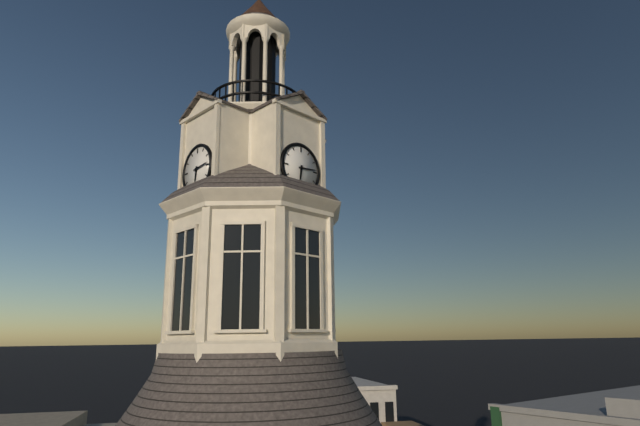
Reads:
6,14
